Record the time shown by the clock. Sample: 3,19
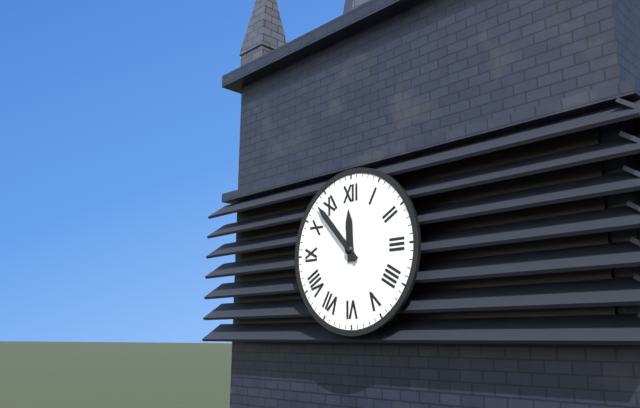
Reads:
11,53
